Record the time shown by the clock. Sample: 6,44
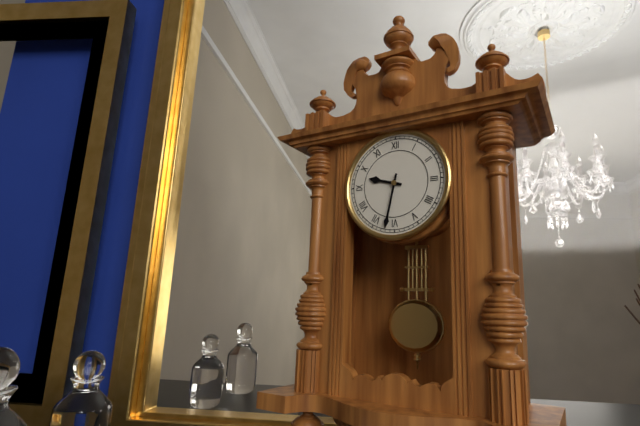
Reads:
9,32
